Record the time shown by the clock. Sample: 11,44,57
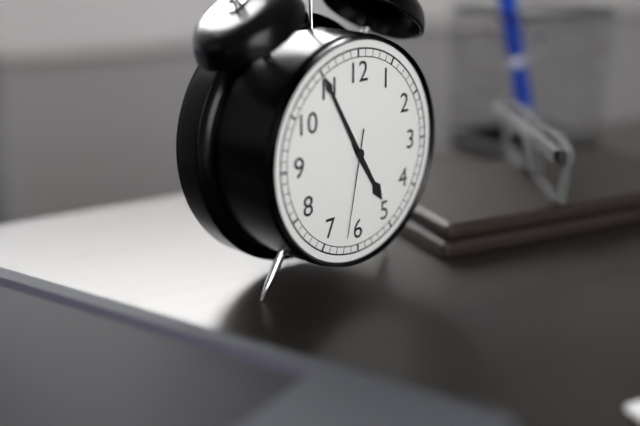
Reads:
4,55,32
